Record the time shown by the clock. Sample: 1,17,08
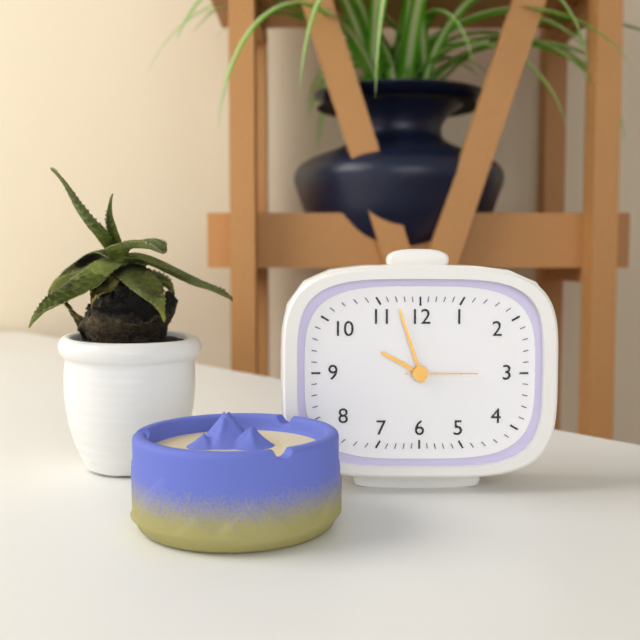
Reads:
9,57,15
